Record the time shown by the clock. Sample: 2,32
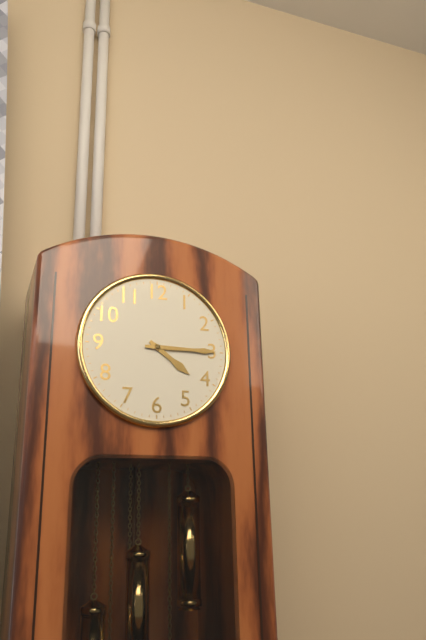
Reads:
4,15
